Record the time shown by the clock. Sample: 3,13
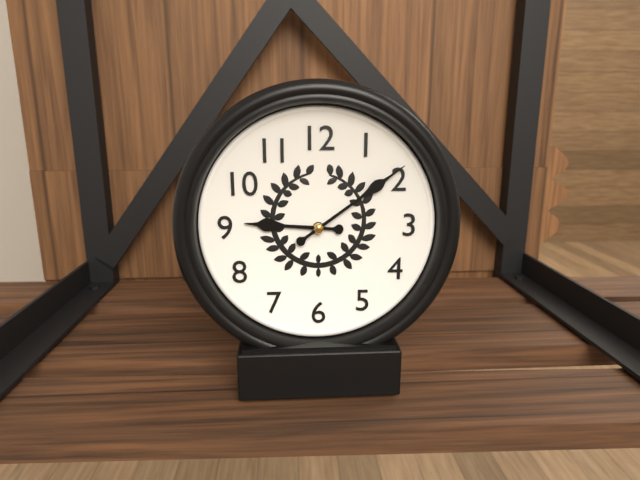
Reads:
9,09
